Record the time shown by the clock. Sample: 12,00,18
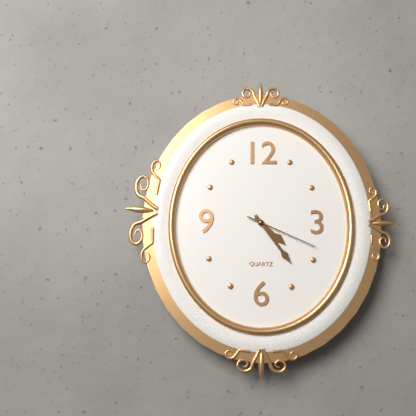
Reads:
4,24,19
